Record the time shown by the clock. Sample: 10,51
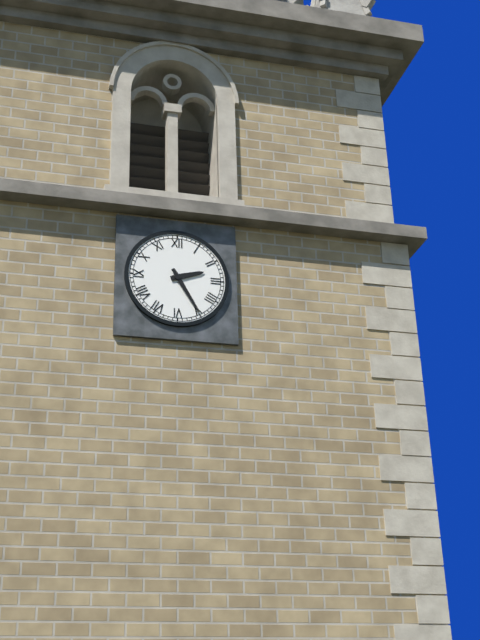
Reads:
2,25
